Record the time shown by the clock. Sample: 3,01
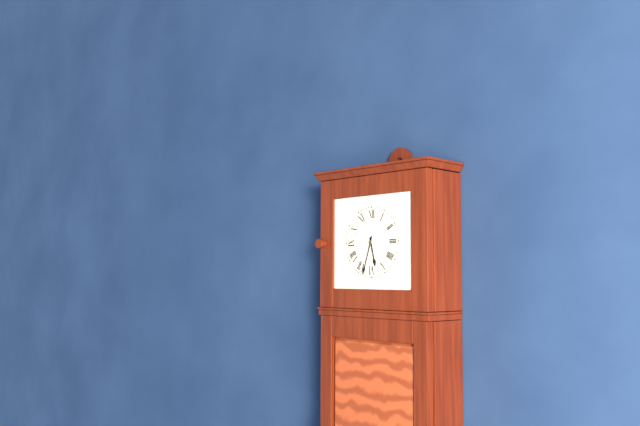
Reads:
5,33
